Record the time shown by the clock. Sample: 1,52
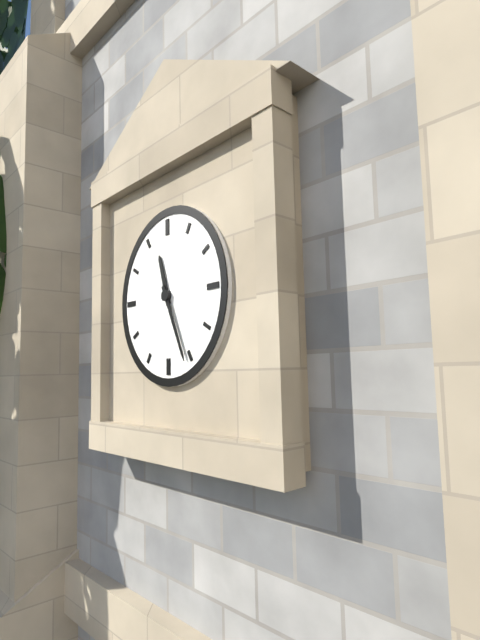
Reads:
11,26
